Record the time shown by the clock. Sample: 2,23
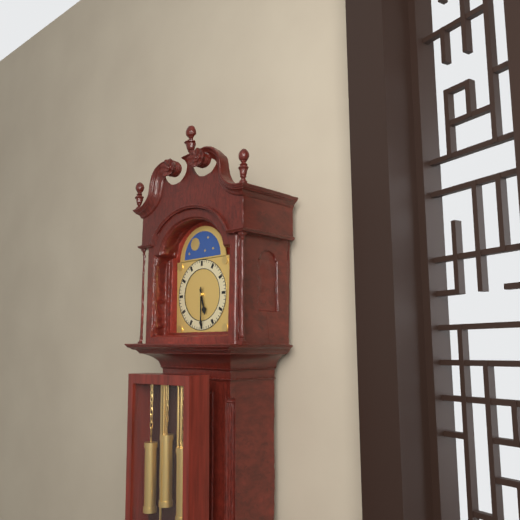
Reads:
5,30
